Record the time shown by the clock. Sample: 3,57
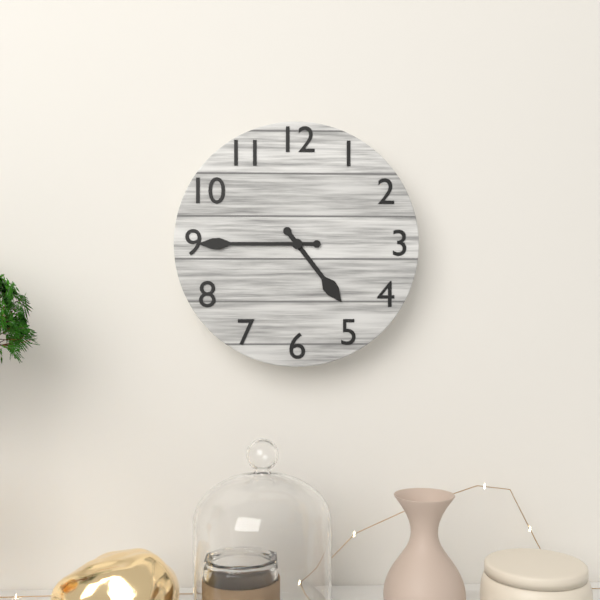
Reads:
4,45
